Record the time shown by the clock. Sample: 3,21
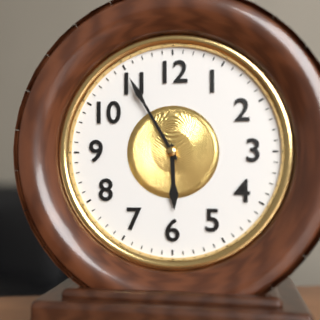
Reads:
5,55
